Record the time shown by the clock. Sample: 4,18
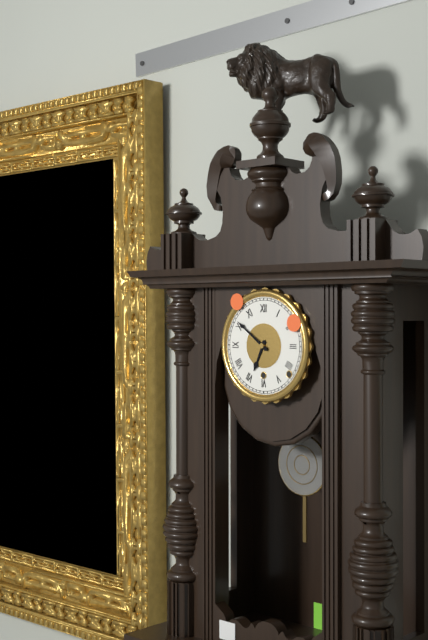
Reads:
6,51
